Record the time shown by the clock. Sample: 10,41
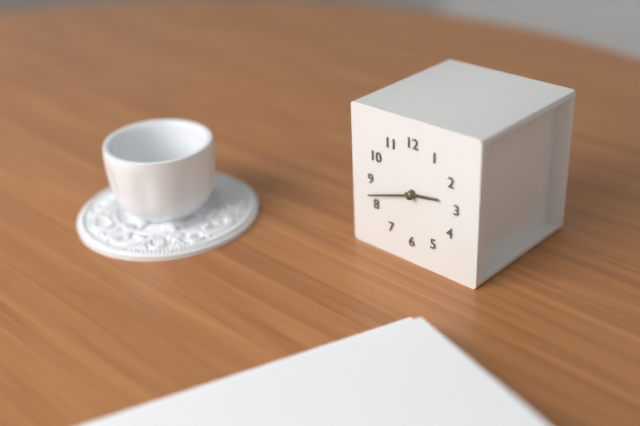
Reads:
2,42
